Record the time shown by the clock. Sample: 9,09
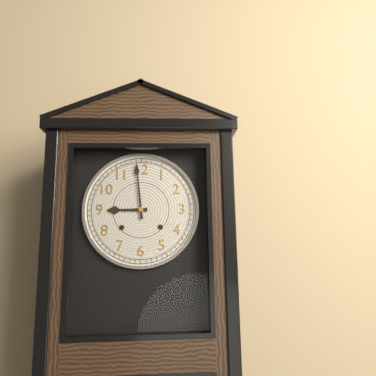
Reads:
8,59
